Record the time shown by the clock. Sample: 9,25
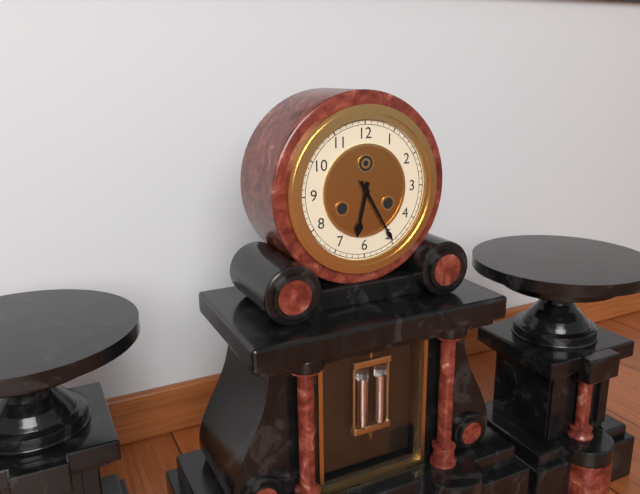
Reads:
6,25
